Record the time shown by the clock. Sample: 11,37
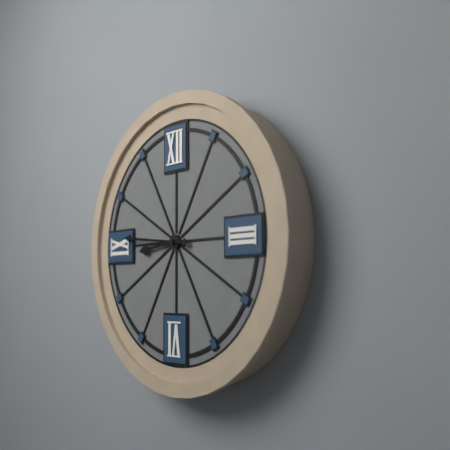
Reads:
8,46
